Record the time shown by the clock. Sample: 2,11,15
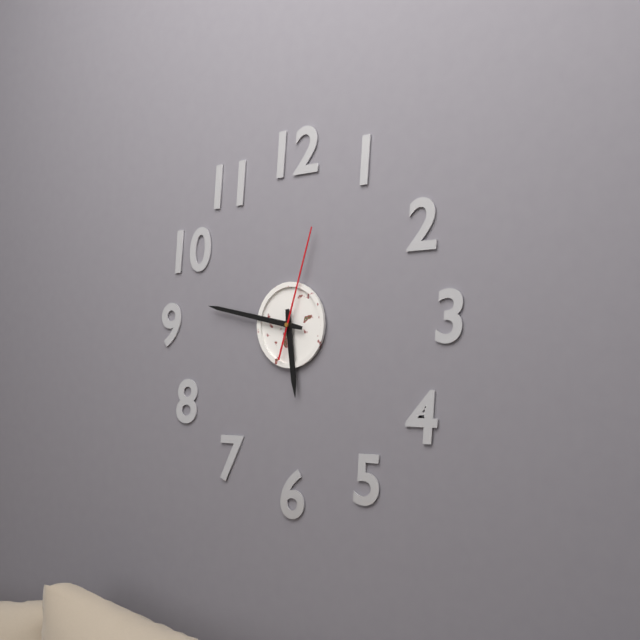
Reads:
5,47,03
